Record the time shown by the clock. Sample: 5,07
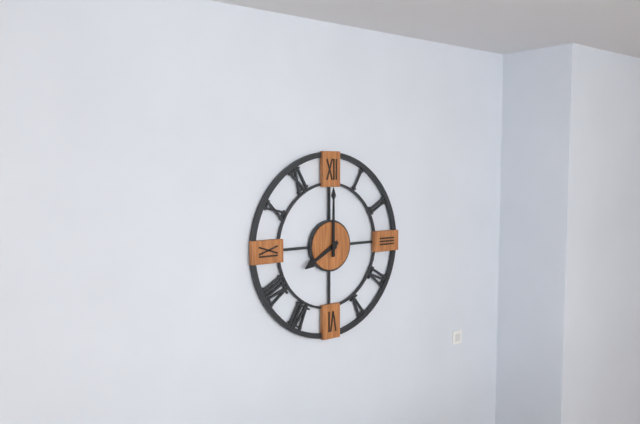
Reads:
8,00
